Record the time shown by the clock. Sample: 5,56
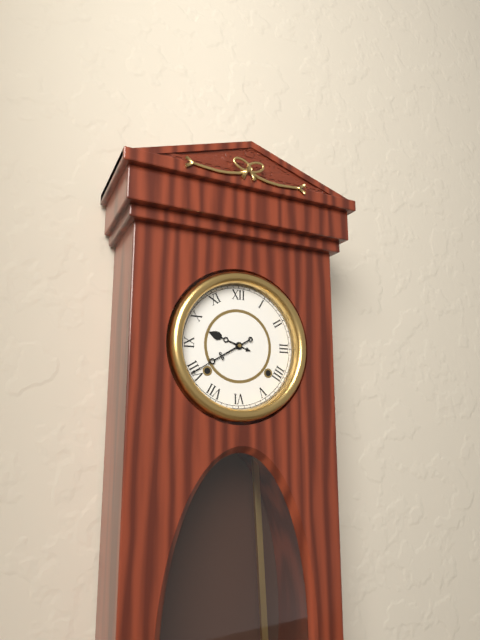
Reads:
9,40
